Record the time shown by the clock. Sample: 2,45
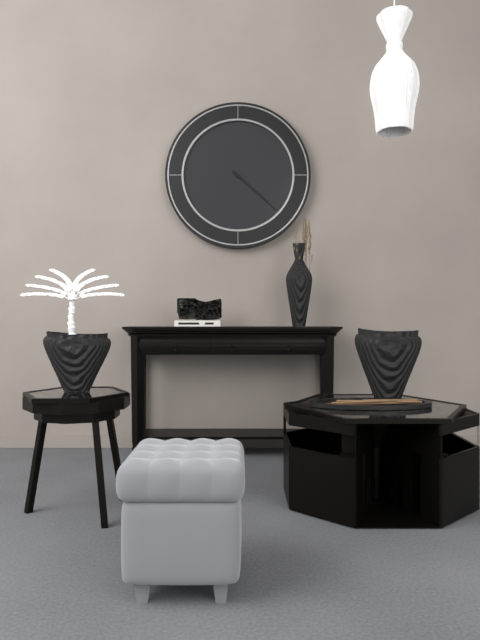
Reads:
4,22
